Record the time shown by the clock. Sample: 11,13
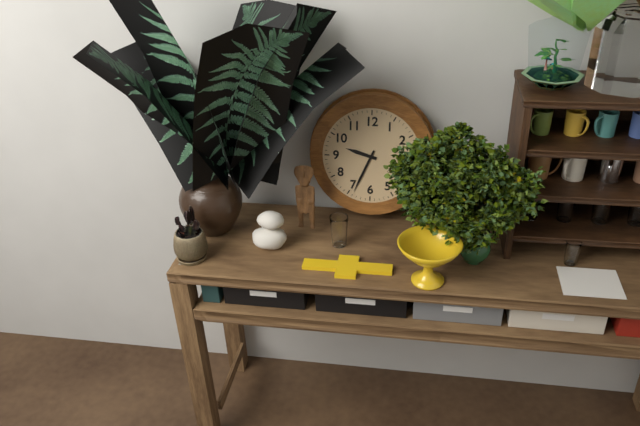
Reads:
9,34
